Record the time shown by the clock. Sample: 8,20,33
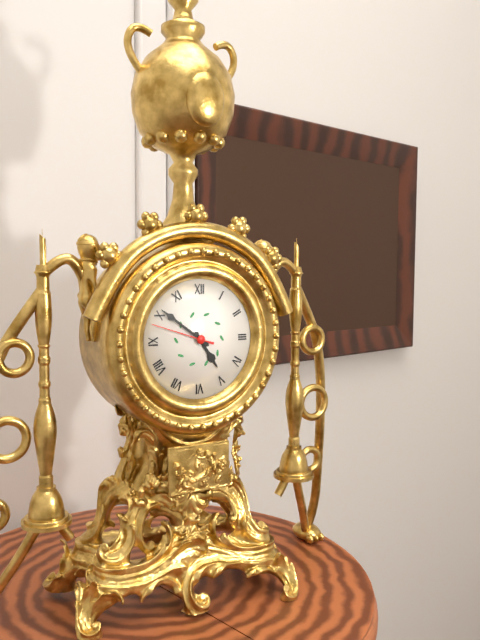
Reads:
4,51,48
